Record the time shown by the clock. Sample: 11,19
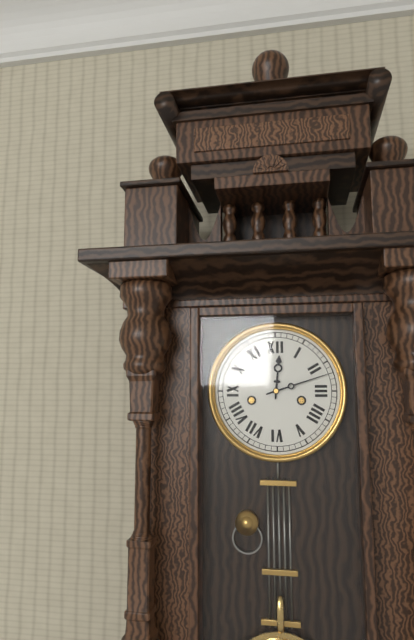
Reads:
12,12
